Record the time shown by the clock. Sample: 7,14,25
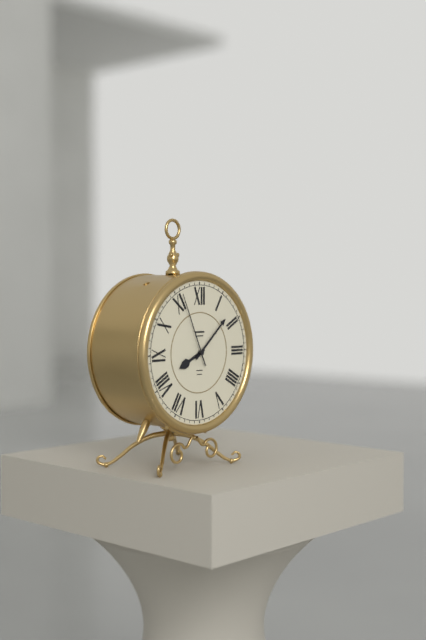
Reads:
8,08,56
